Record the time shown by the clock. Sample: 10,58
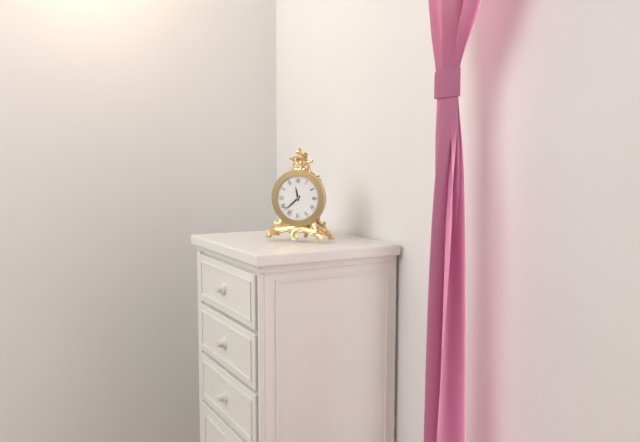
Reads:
11,38
